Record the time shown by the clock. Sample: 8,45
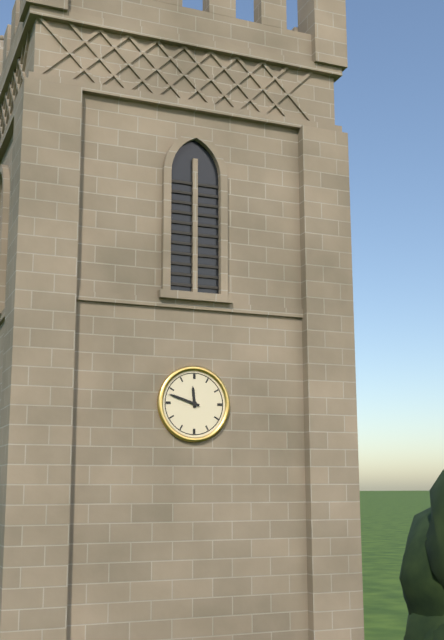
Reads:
11,48
